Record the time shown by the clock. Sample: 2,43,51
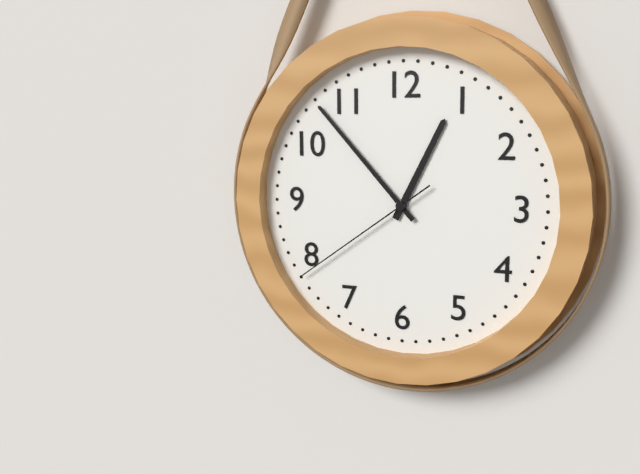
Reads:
12,53,39
